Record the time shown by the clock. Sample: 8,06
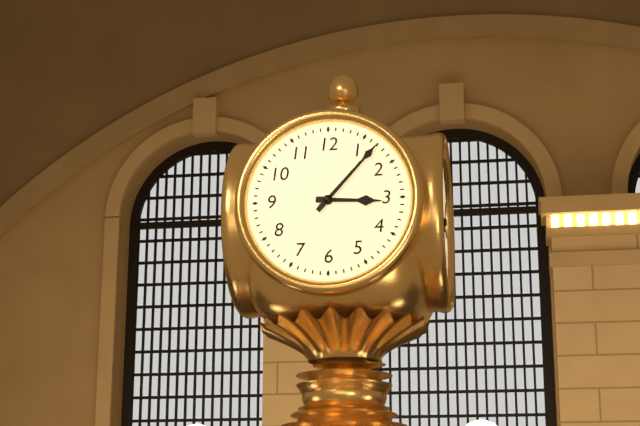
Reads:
3,07
